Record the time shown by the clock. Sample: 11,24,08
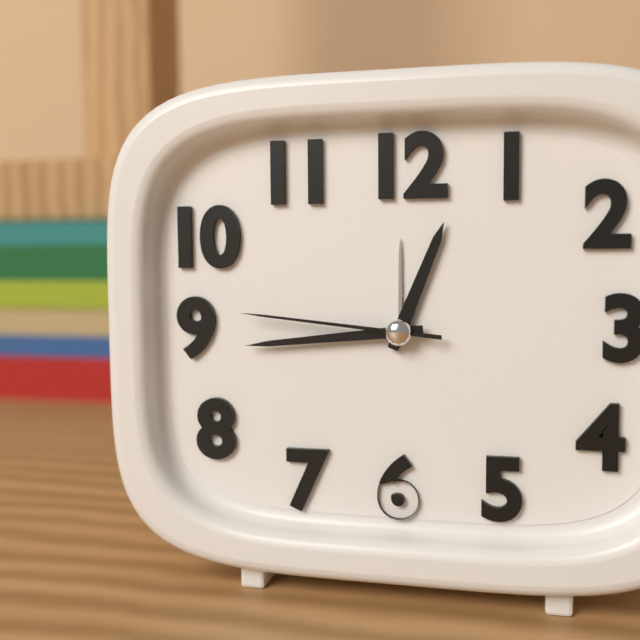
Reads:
12,44,46
